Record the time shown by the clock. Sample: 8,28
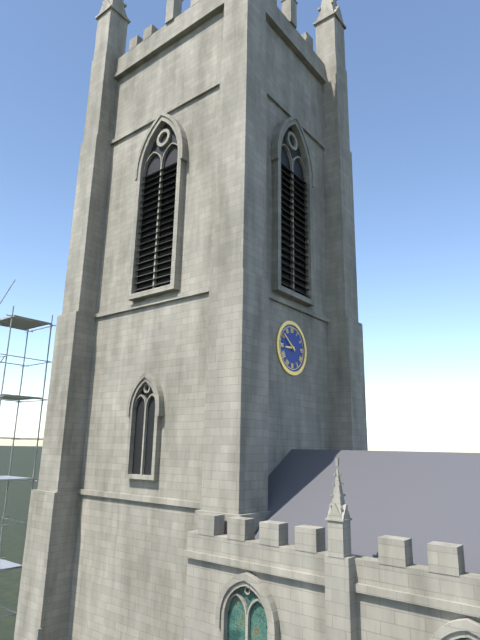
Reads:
8,51
